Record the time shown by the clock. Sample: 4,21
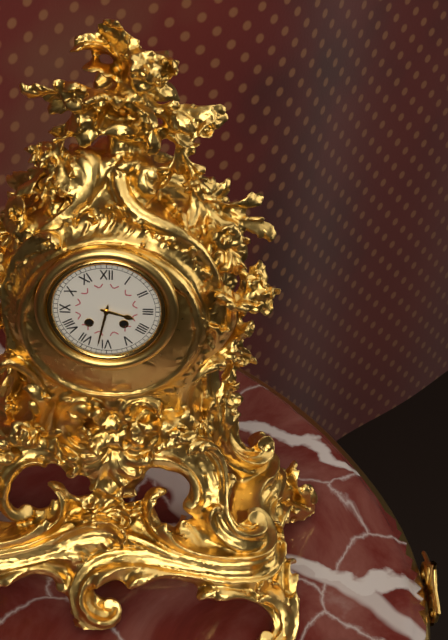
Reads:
3,32
